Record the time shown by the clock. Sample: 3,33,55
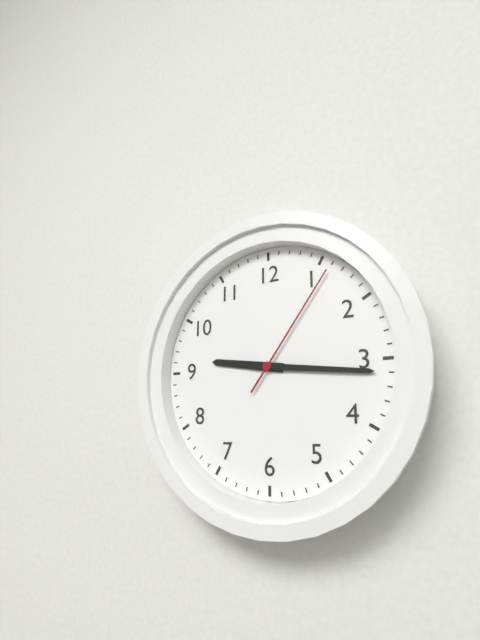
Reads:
9,16,06
